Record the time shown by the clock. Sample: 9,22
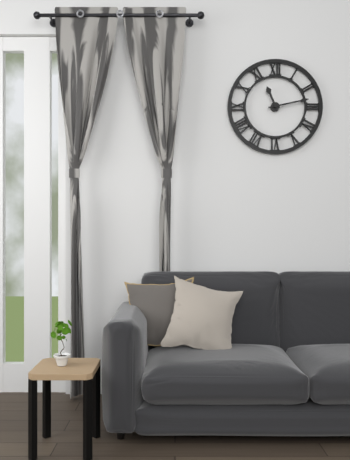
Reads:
11,13
